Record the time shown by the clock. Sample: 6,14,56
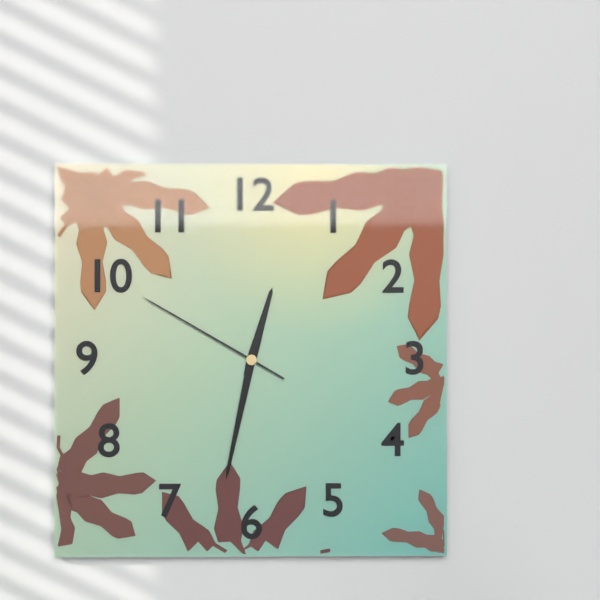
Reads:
12,32,50
